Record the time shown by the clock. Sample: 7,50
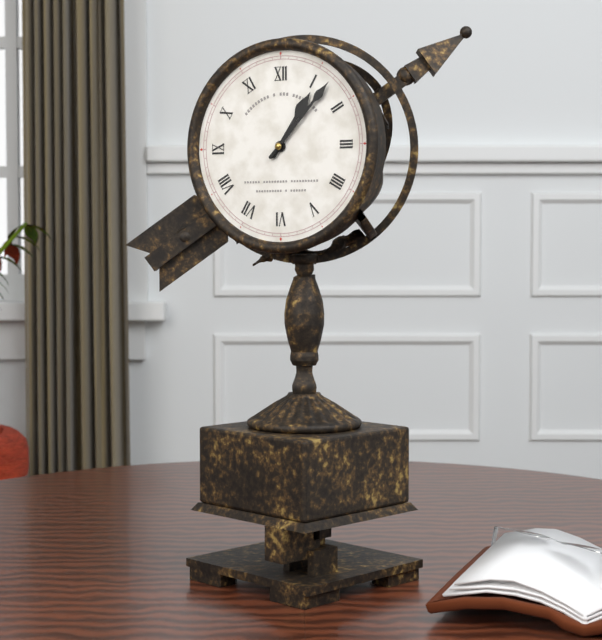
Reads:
1,07
